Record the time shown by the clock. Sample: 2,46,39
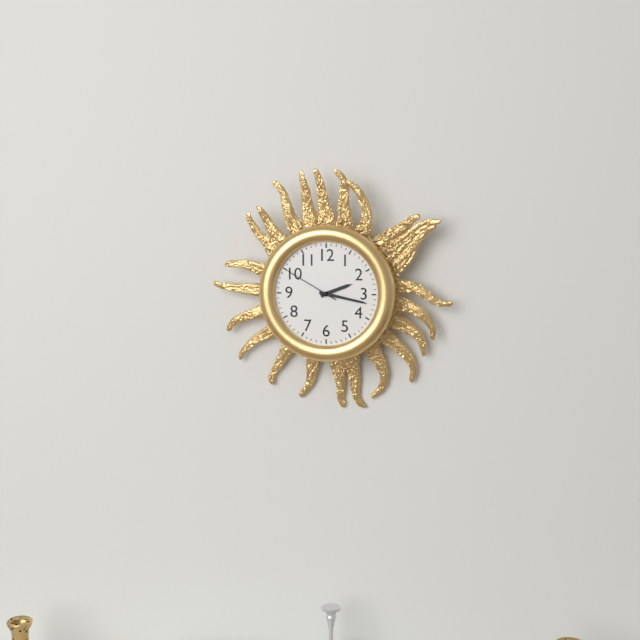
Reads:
2,17,50
